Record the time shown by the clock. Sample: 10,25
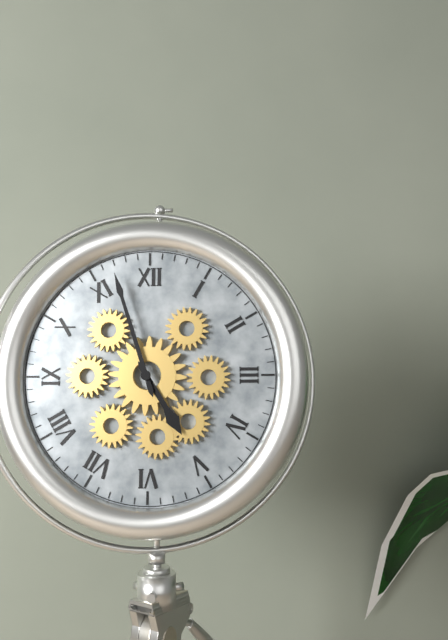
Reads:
4,57
